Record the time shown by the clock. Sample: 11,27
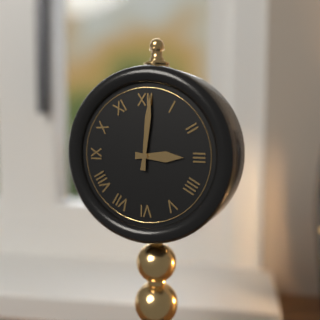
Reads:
3,01
